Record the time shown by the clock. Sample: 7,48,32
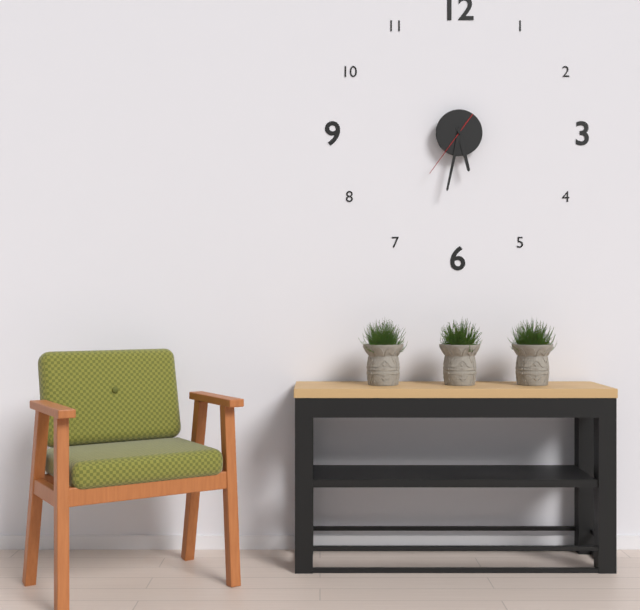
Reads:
5,32,36
